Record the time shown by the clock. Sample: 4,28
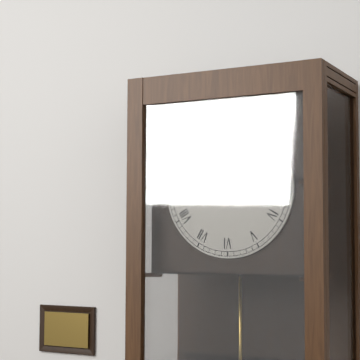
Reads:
9,58
